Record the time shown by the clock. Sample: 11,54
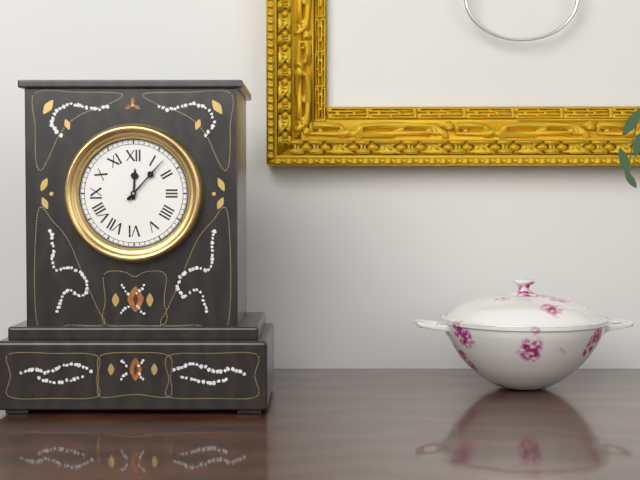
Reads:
12,07
